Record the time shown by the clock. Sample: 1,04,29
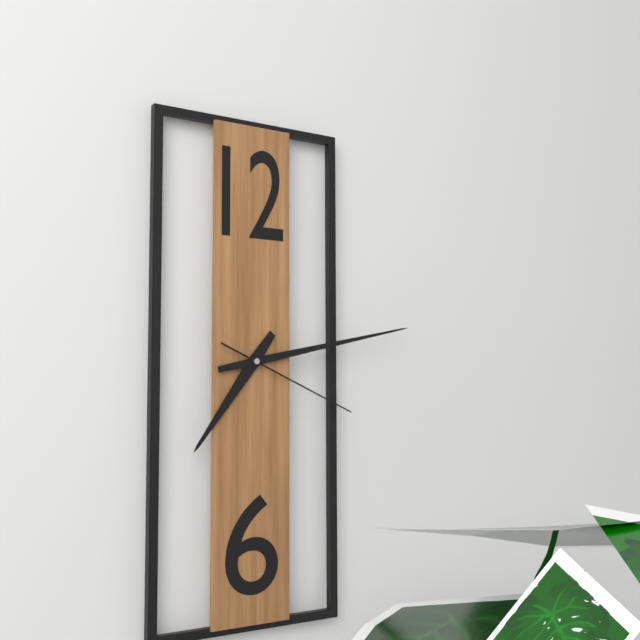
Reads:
7,13,19
